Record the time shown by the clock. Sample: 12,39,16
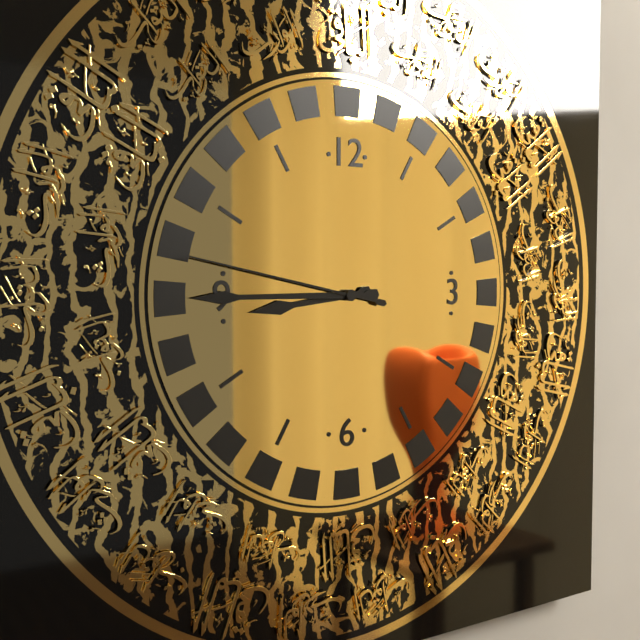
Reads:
8,45,47
